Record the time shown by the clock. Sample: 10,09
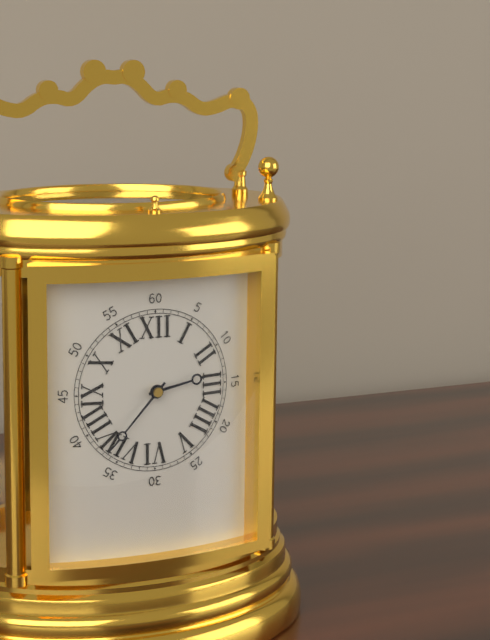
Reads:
2,37
